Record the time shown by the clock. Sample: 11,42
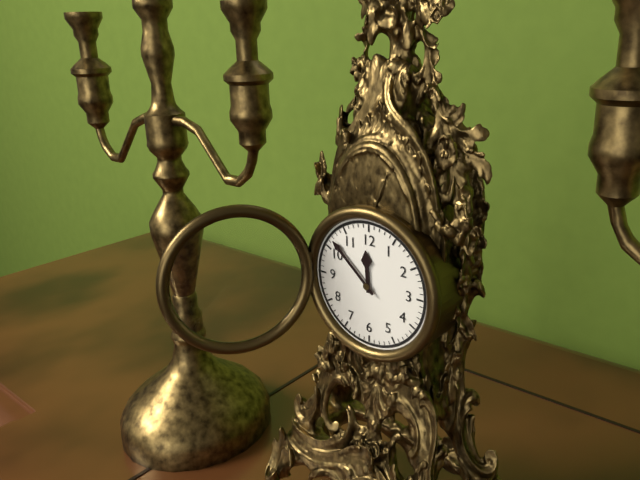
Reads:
11,52
